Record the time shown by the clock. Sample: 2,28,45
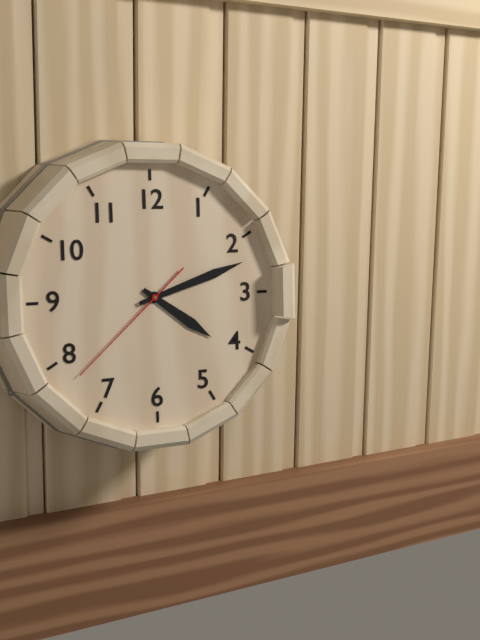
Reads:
4,12,38
